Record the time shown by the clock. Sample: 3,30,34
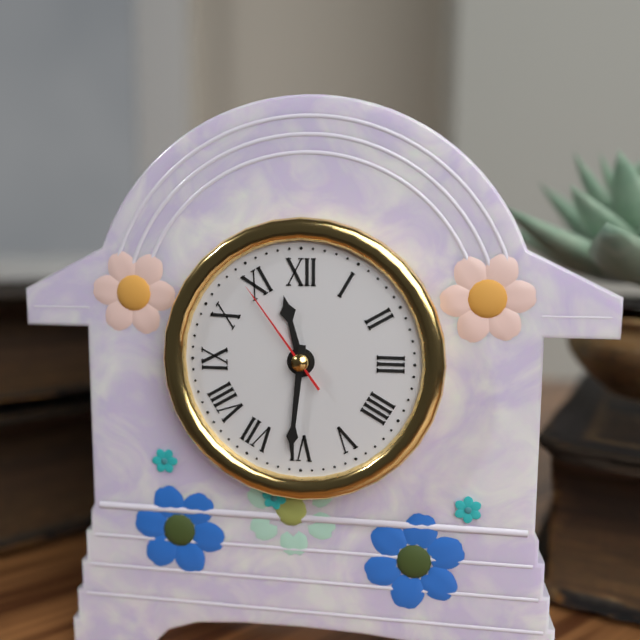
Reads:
11,31,54
